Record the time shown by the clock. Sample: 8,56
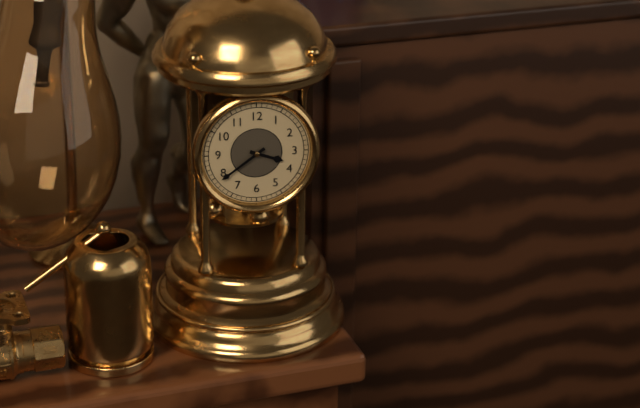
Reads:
3,39
